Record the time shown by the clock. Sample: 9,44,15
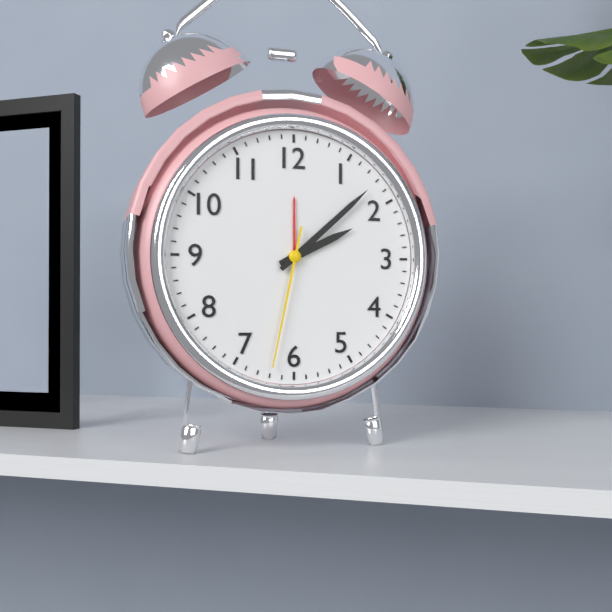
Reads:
2,08,32
